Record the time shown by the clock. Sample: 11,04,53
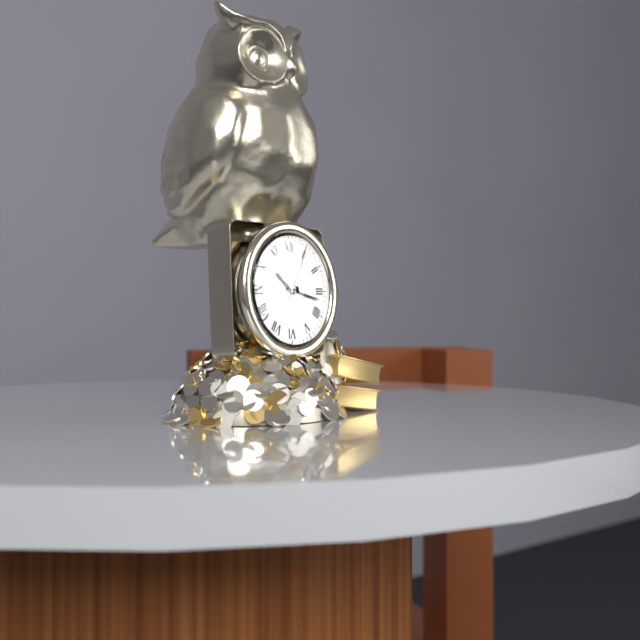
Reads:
10,17,05
